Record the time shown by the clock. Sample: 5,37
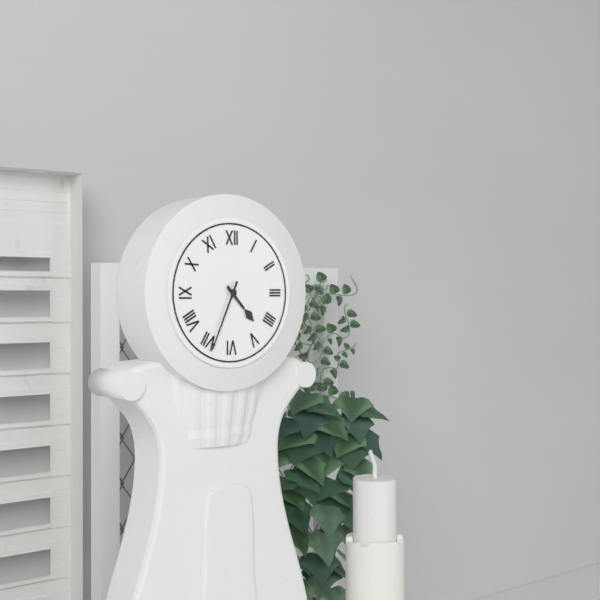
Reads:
4,34
